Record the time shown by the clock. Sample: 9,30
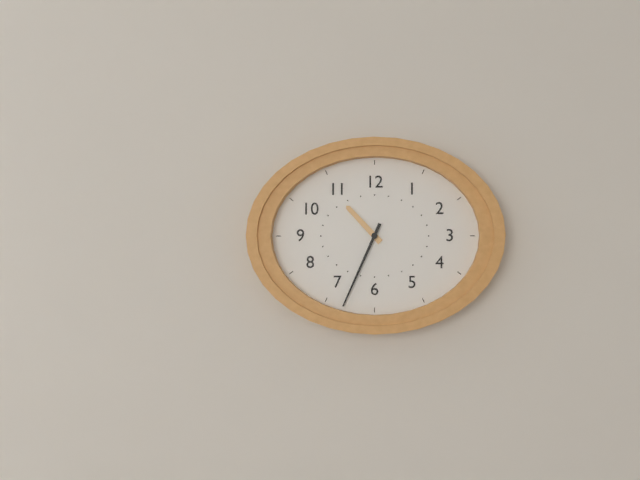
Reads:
10,34
